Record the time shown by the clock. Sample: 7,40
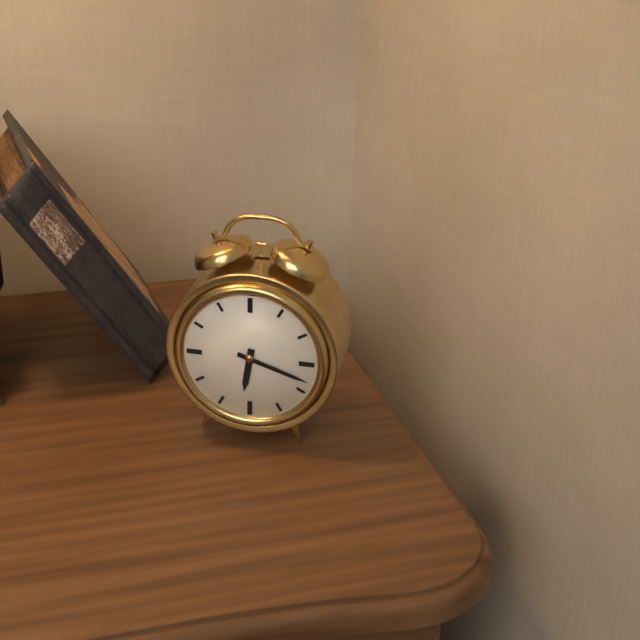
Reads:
6,18
